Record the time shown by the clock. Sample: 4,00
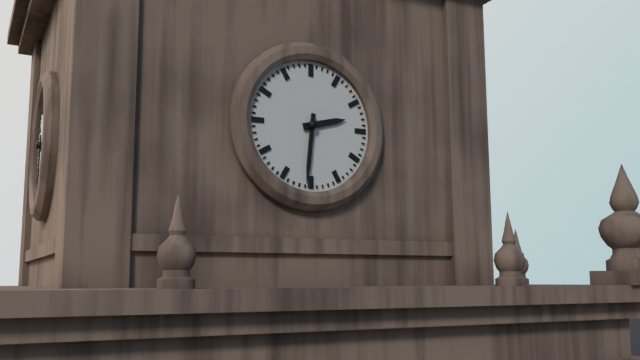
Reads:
2,31
